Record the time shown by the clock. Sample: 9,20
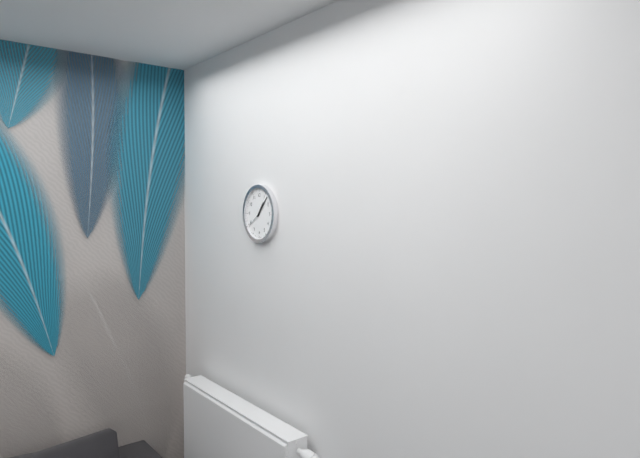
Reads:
1,07
